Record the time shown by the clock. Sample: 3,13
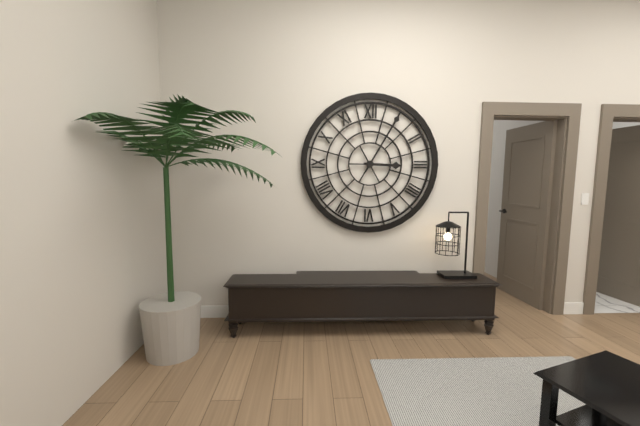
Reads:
3,05
